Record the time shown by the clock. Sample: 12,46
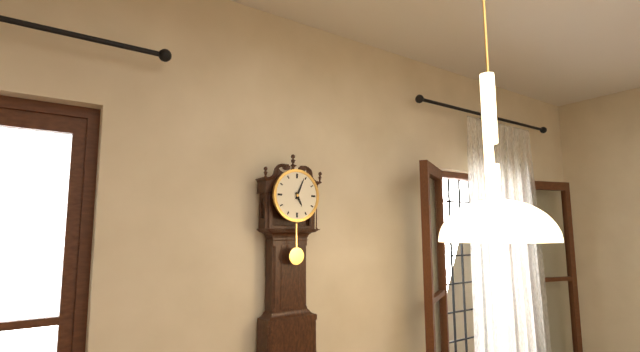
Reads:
5,04
